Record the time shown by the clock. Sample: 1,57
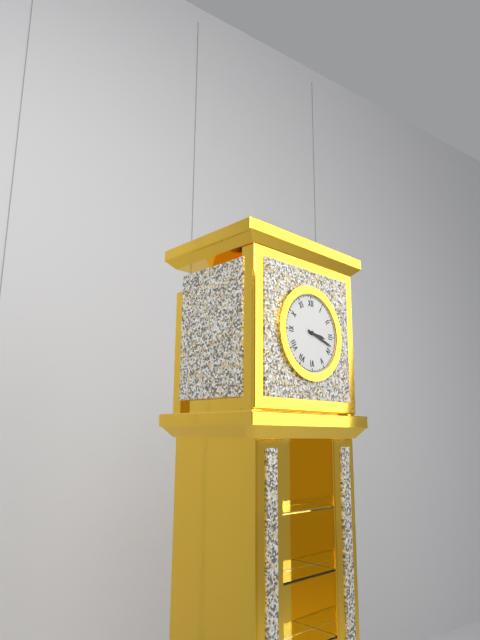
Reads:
3,18
